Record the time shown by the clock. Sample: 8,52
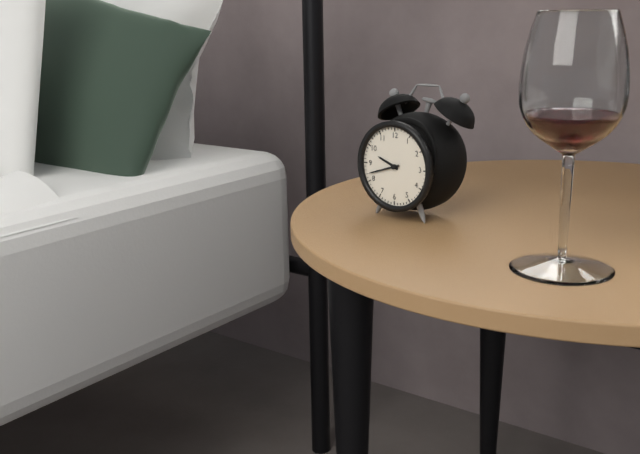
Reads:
9,42
